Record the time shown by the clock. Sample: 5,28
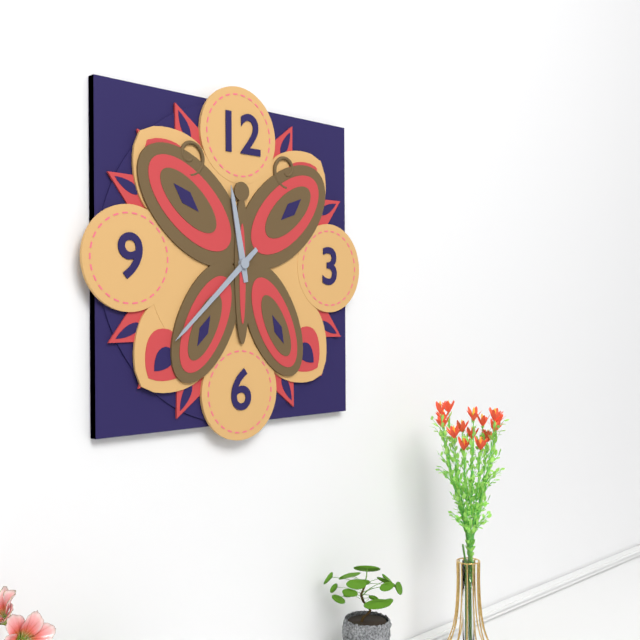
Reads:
11,38
